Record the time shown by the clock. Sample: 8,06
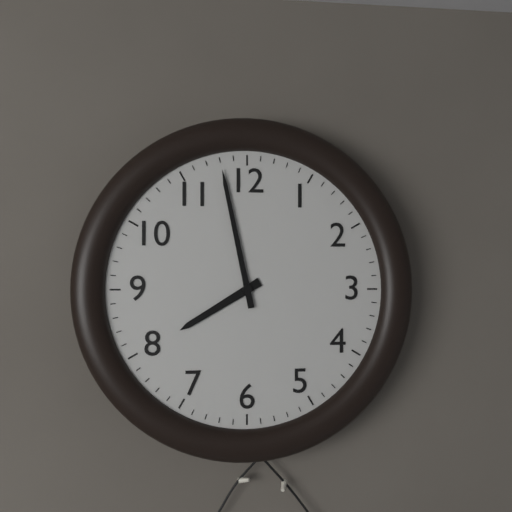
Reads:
7,58
